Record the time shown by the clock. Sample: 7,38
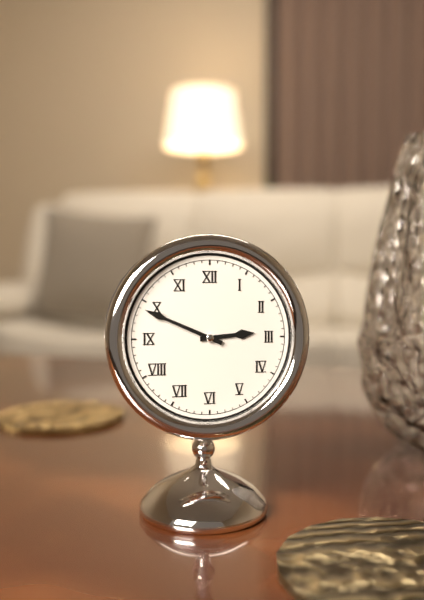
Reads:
2,49
